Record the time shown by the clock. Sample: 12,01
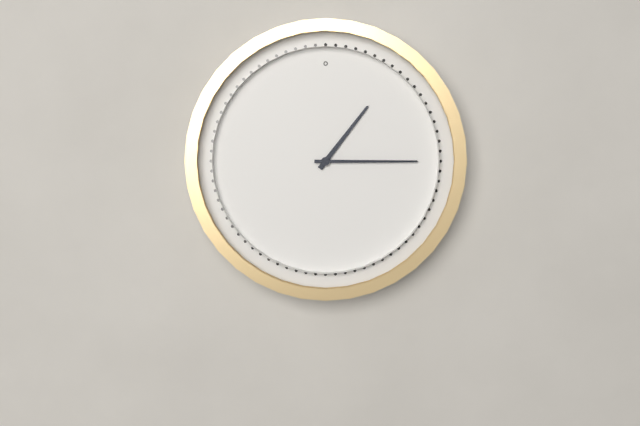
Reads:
1,15
